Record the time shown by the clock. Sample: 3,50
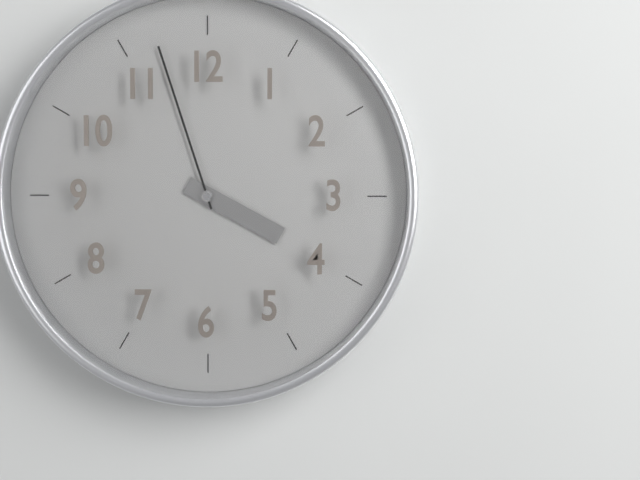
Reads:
3,57
